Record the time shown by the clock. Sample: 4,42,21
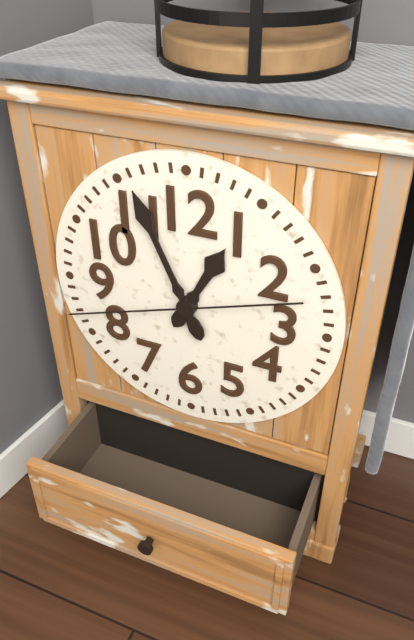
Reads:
12,56,42
